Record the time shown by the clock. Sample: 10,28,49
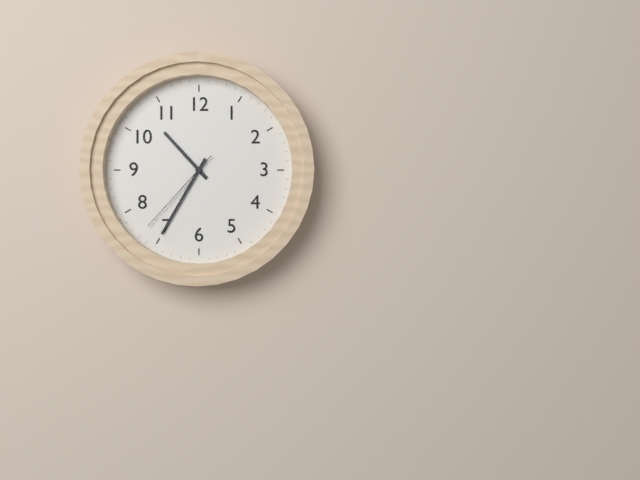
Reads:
10,35,37
